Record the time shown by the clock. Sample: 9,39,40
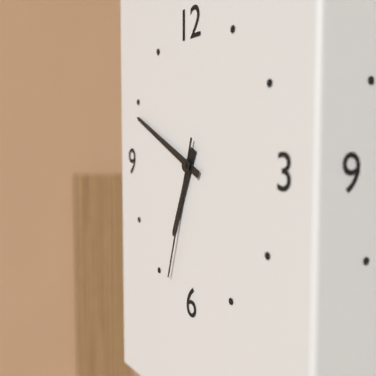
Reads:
6,49,33
